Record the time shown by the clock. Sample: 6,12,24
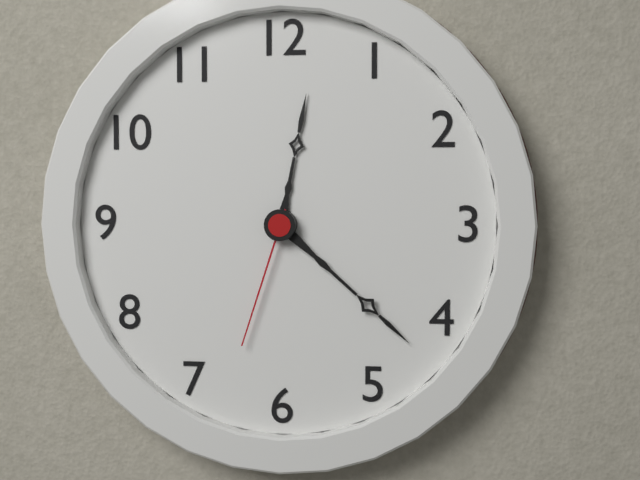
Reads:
12,22,33
